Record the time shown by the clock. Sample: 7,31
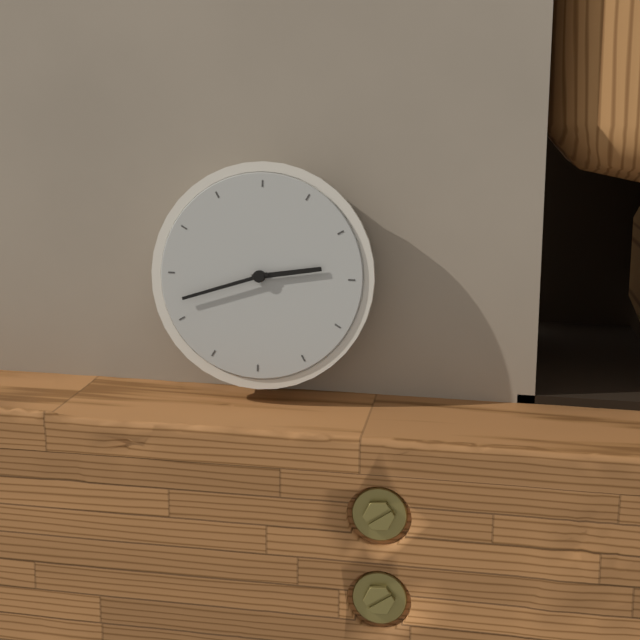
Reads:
2,42
